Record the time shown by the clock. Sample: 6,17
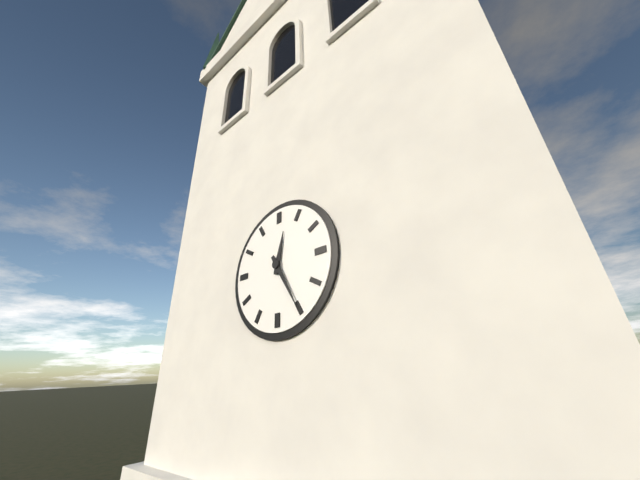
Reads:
12,25
